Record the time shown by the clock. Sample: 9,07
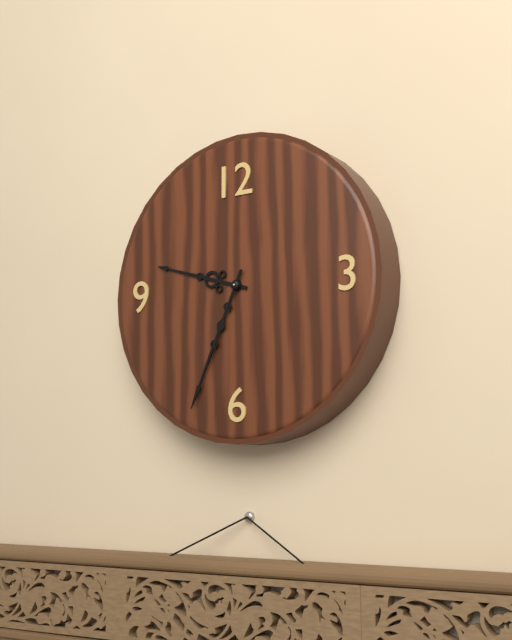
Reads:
9,34
